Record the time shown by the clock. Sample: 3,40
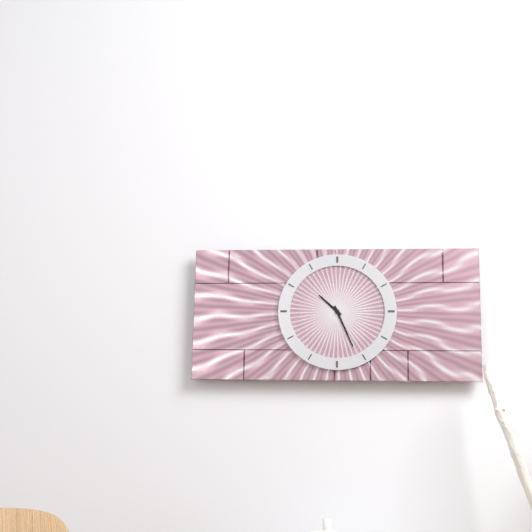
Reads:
10,26
